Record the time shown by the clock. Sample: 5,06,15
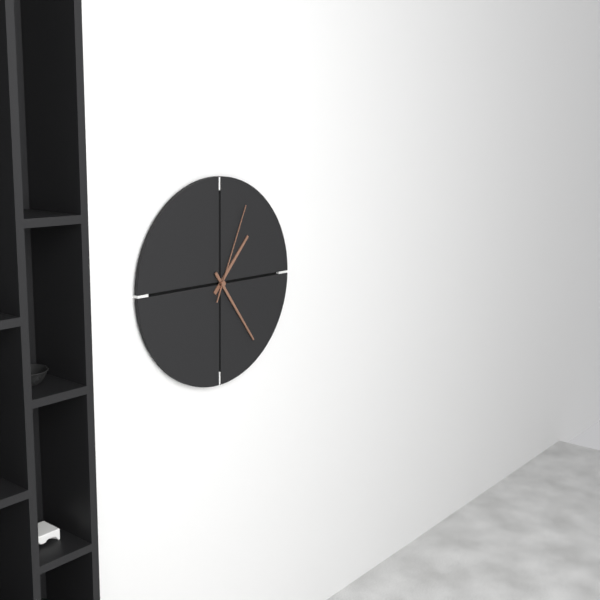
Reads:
1,24,04
